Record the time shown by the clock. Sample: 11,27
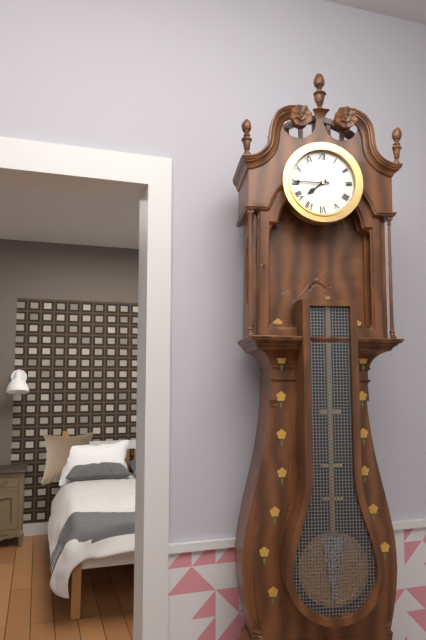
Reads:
7,45
